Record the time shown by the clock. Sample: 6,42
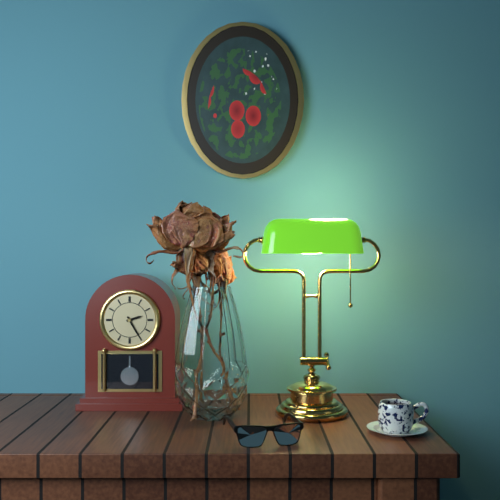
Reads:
2,25
